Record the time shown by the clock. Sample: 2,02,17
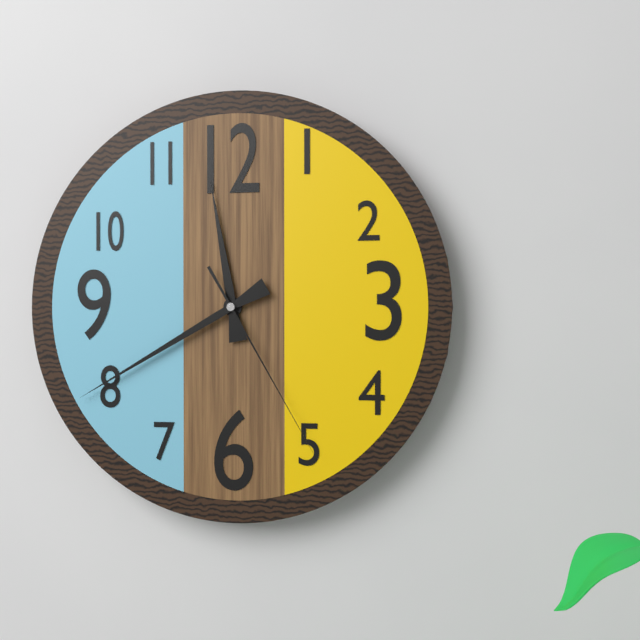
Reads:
11,40,25
